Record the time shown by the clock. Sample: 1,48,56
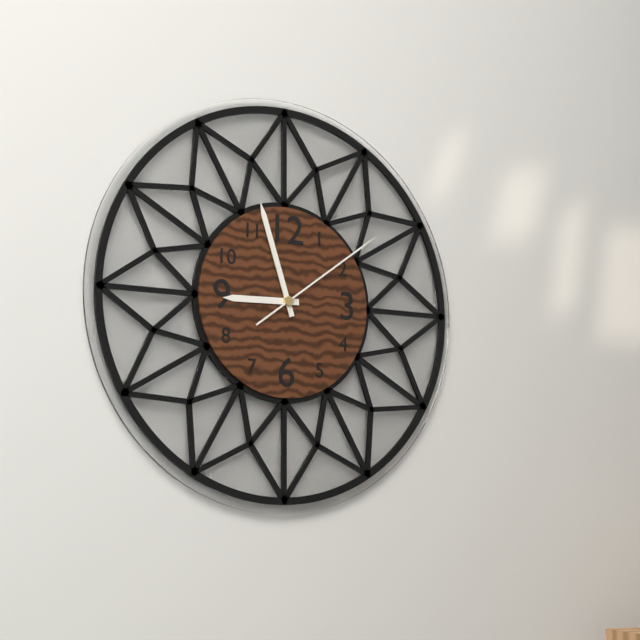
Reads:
8,57,09
